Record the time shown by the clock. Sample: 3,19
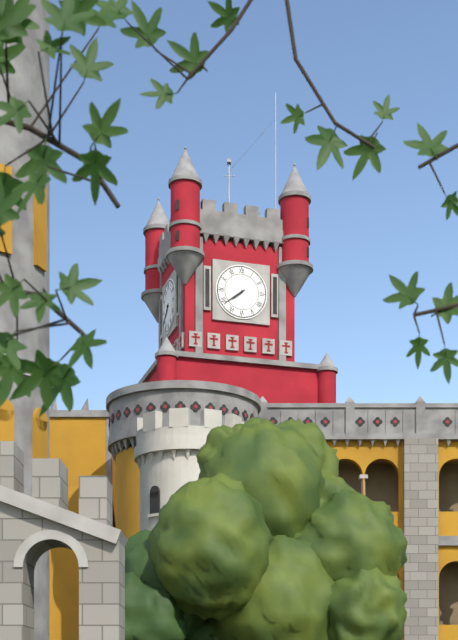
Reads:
7,39
